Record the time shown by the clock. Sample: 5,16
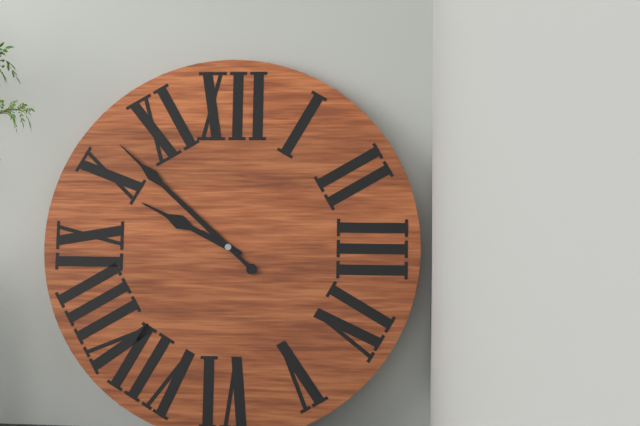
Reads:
9,52
